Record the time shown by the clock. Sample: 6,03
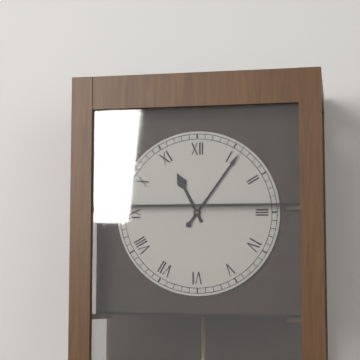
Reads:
11,06
